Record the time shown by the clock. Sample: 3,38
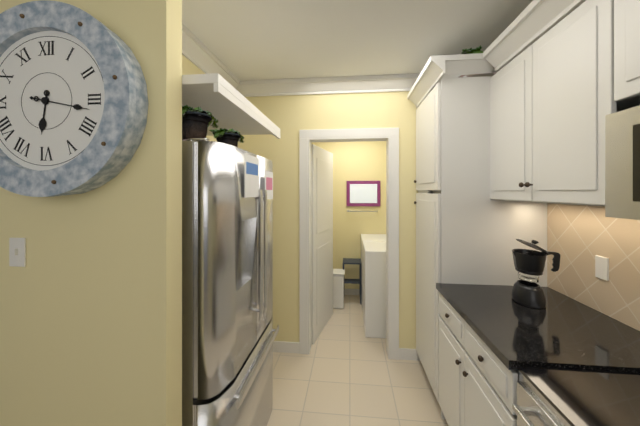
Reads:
6,17
